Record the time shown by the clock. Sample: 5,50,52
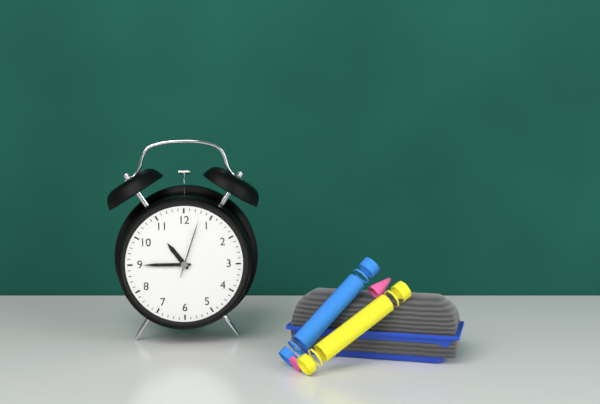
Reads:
10,45,03
